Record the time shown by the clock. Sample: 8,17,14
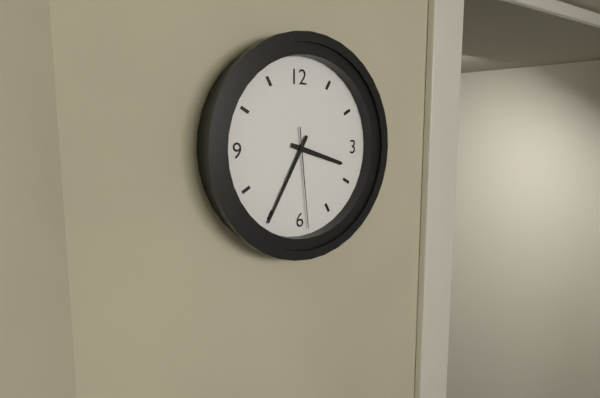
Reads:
3,35,29
